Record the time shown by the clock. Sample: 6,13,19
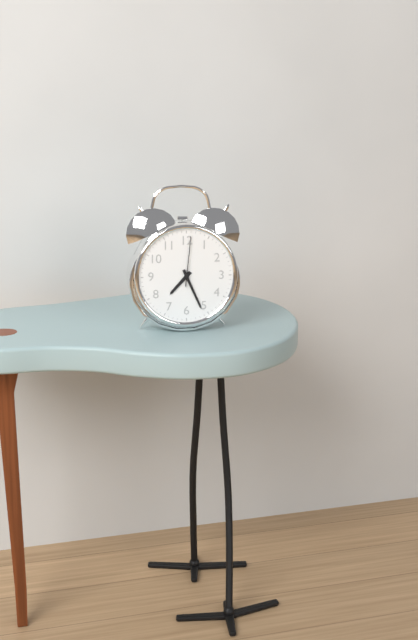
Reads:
7,26,01
